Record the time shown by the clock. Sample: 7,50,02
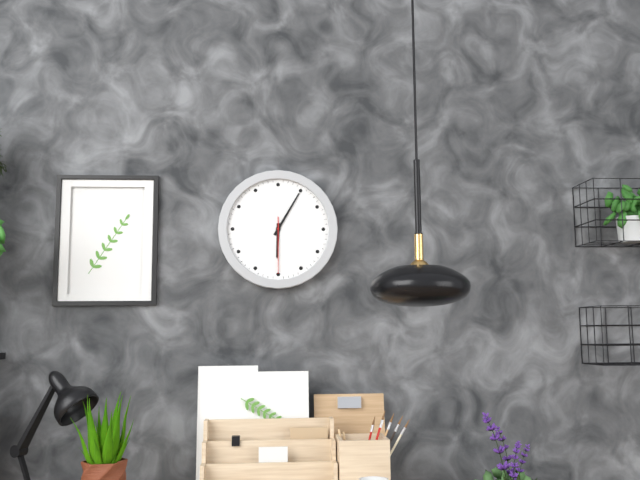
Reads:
6,05,30
